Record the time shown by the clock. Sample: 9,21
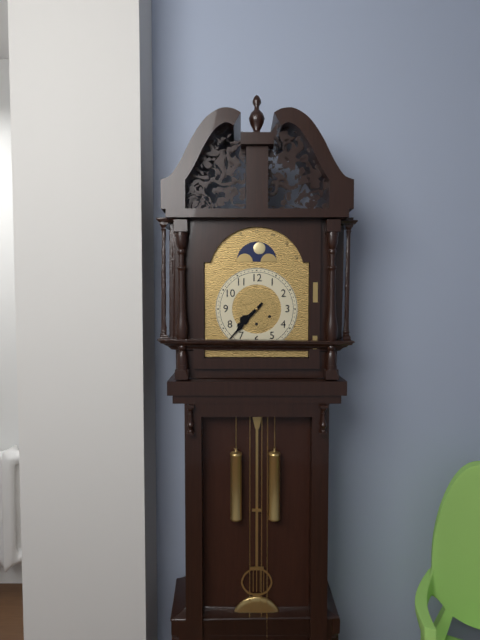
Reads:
7,37
